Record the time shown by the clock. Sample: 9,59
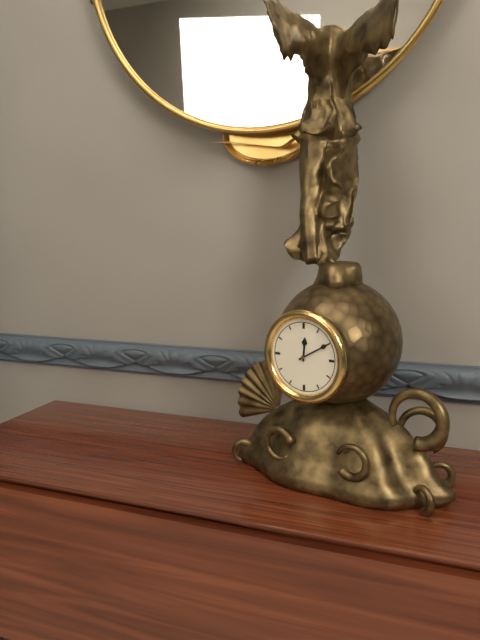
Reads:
12,10
